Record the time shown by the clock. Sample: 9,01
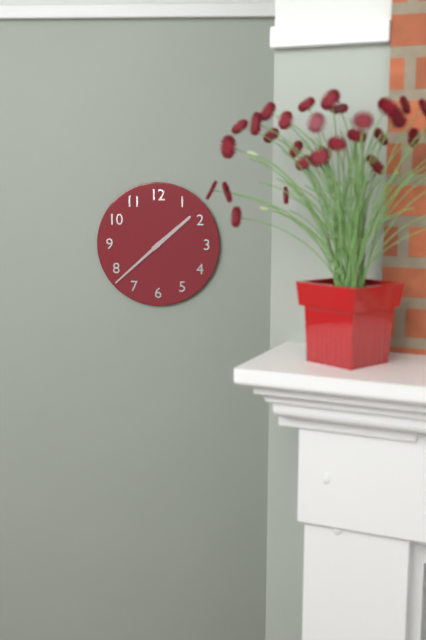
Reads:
1,38
